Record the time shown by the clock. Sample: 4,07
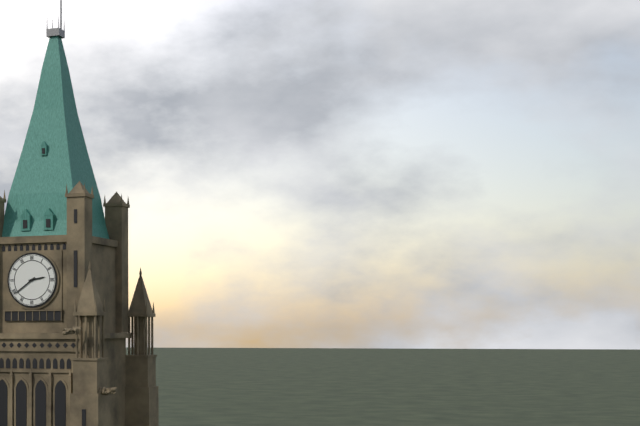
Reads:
2,39
